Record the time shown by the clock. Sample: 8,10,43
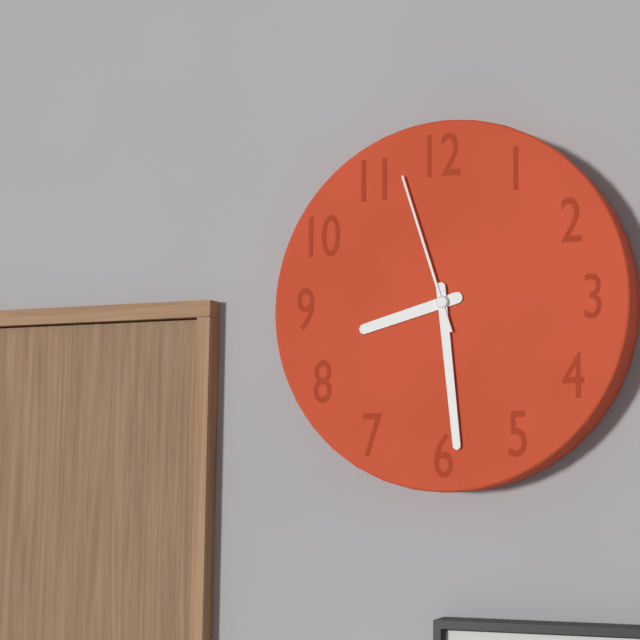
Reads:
8,29,57
